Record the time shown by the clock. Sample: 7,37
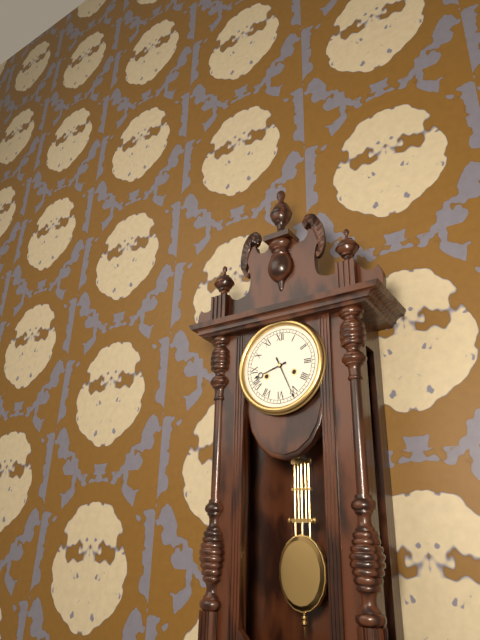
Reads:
8,26
